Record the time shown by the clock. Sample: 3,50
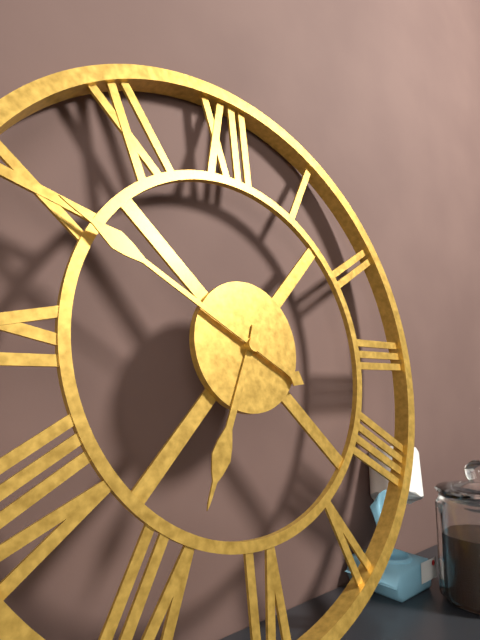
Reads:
6,50
